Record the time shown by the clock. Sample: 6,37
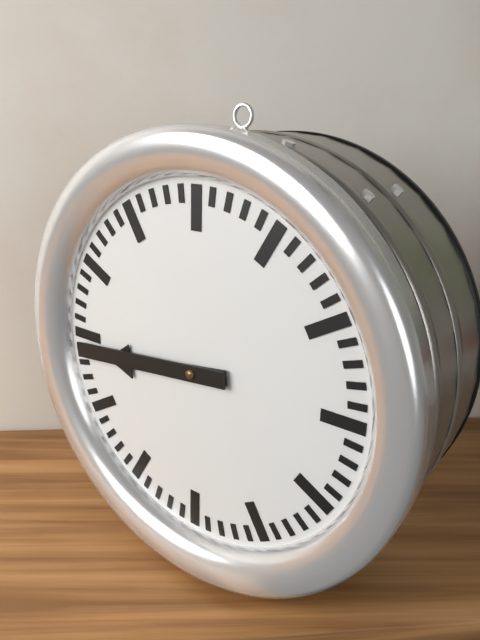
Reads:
8,44
